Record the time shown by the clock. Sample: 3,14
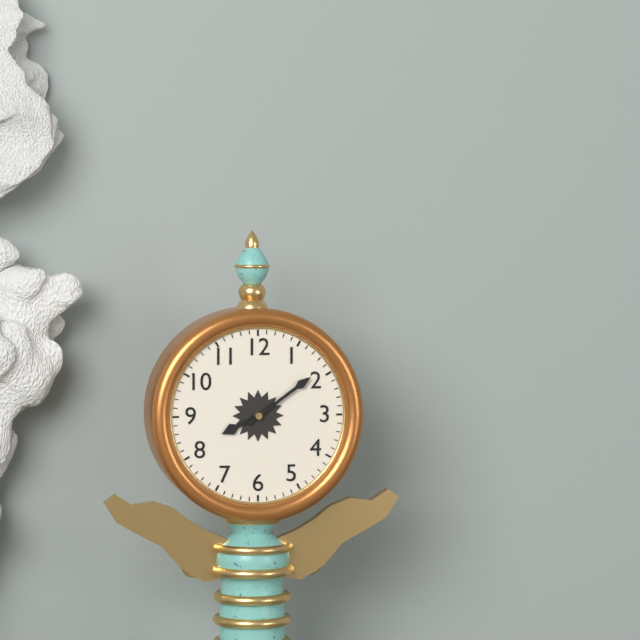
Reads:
8,09
